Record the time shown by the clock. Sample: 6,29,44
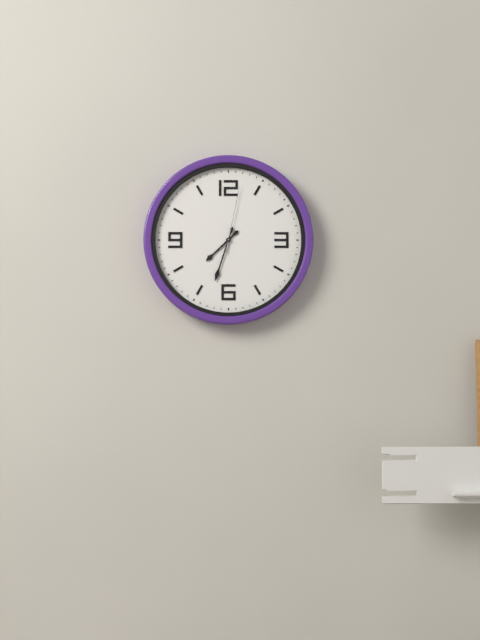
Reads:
7,33,02
